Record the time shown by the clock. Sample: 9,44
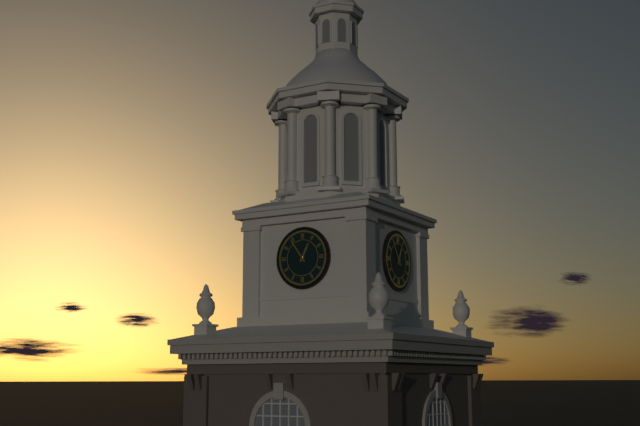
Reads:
12,54
